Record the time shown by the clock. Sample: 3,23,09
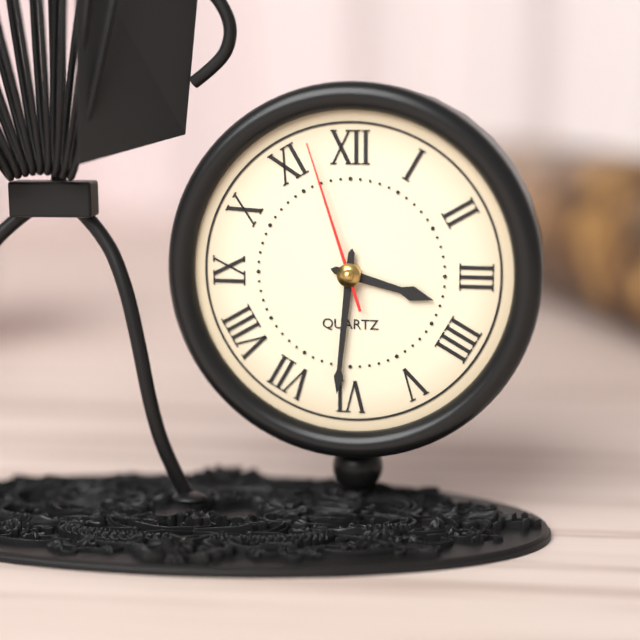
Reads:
3,31,57
